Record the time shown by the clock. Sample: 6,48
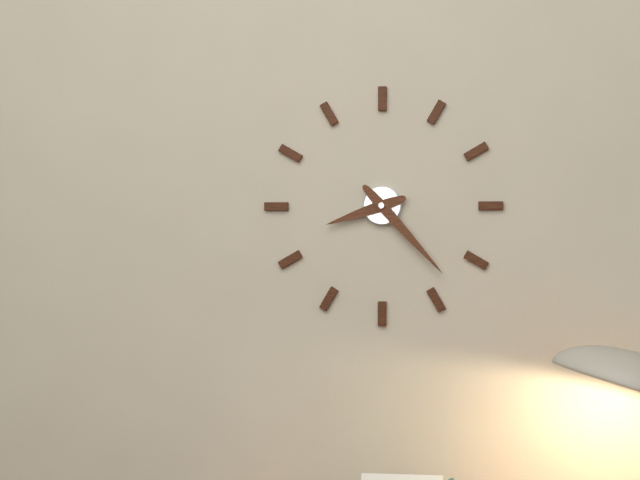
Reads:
8,23
